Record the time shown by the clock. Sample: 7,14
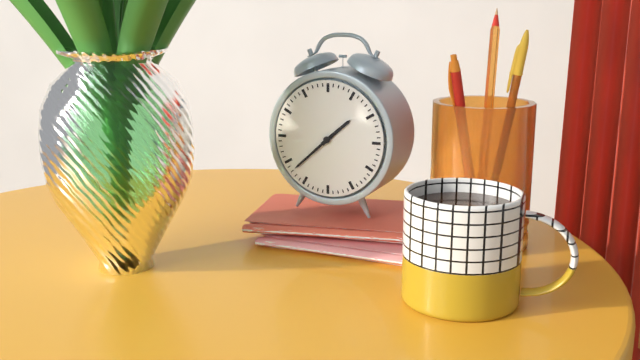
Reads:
1,38
